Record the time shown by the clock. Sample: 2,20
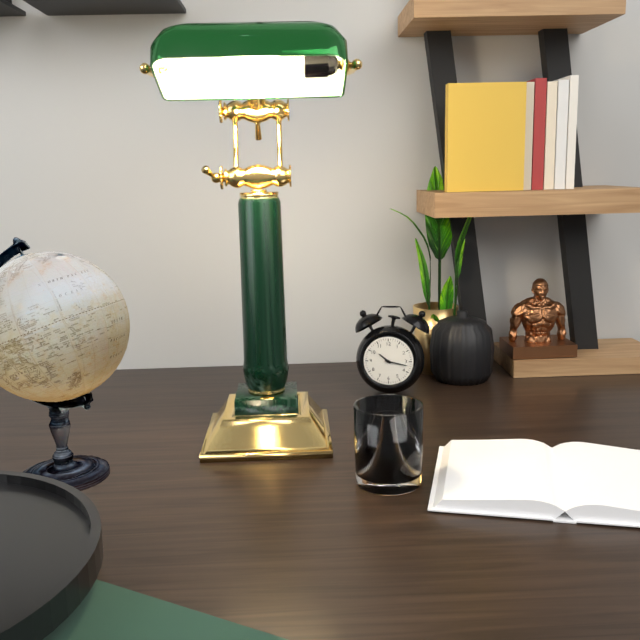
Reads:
10,17
